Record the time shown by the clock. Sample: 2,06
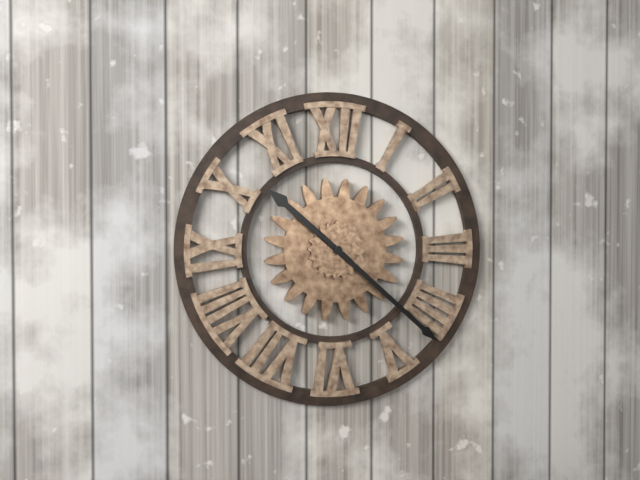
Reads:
10,22
